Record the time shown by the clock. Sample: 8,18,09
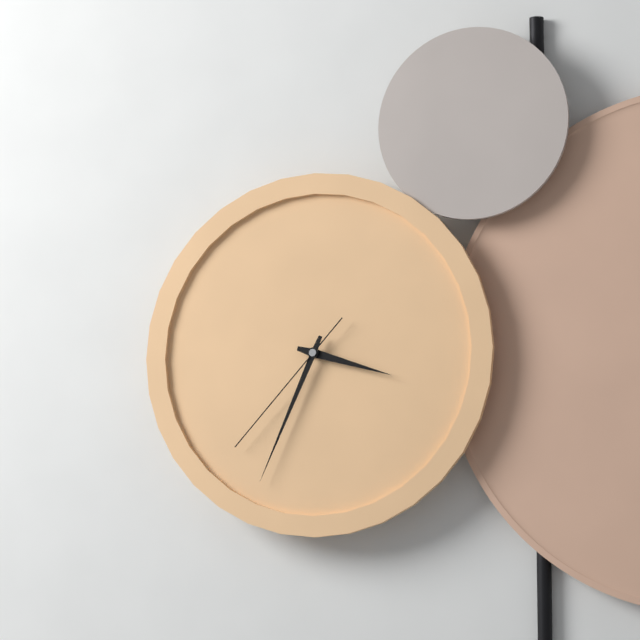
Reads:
3,34,37
